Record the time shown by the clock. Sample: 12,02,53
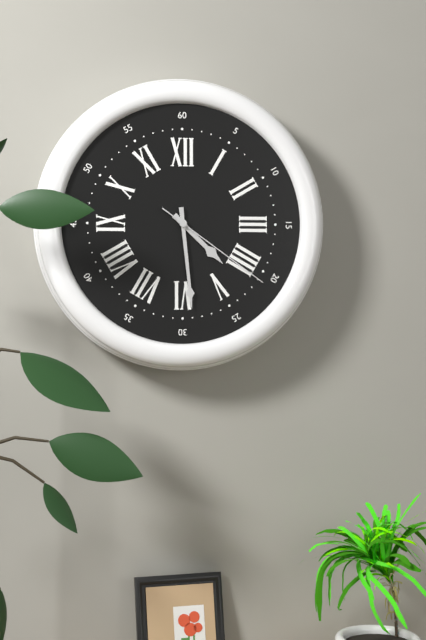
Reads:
4,29,21
